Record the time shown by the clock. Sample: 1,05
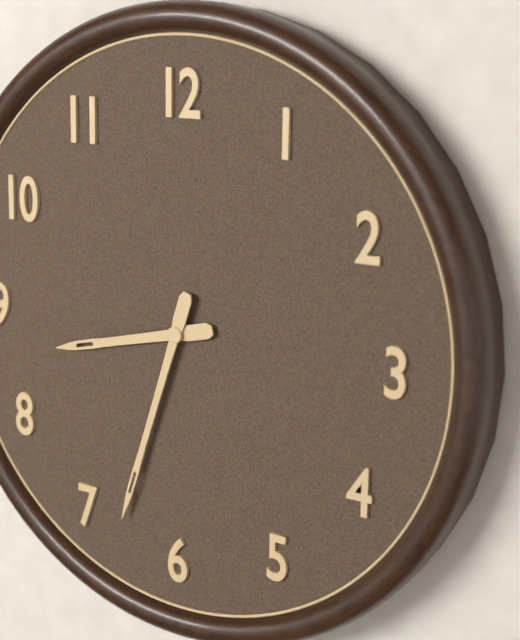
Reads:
8,33
